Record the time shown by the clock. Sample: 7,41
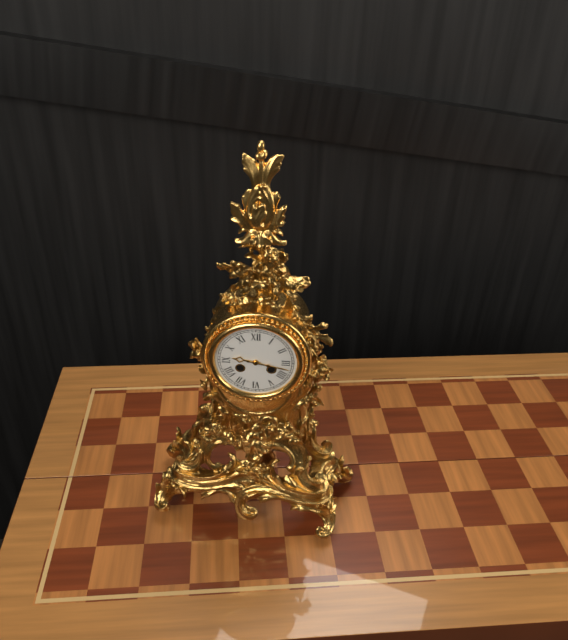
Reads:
9,17
